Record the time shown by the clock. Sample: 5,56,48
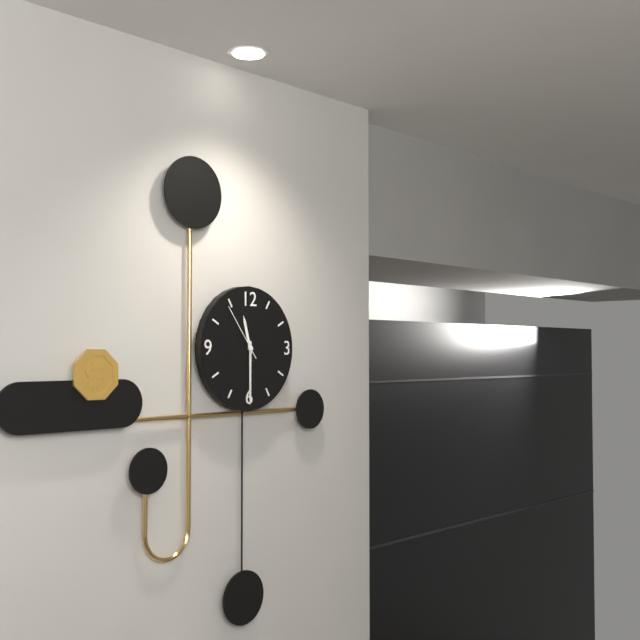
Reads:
11,30,54
